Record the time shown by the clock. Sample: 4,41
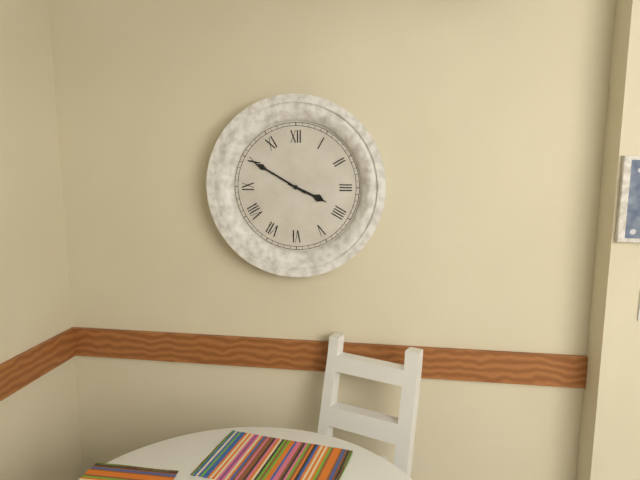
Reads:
3,50
